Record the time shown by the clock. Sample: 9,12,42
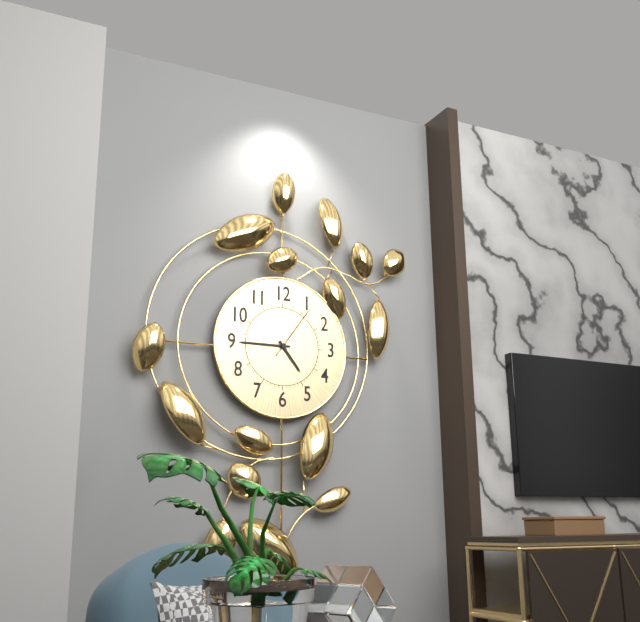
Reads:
4,45,06
